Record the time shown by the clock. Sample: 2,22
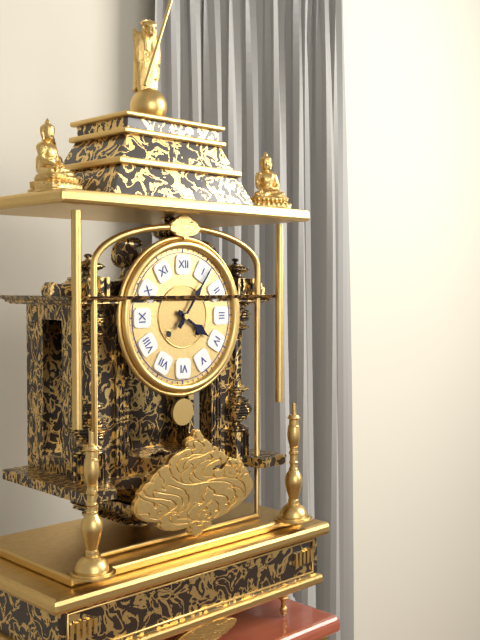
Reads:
4,06
